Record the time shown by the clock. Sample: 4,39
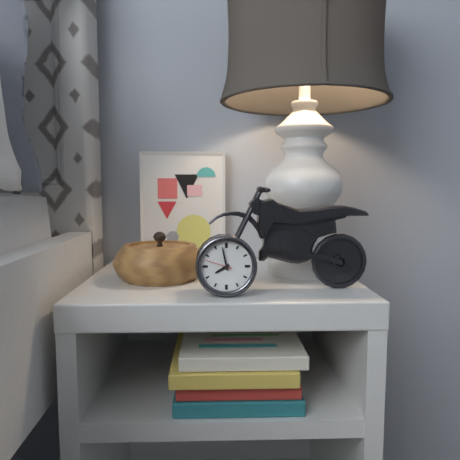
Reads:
7,58
